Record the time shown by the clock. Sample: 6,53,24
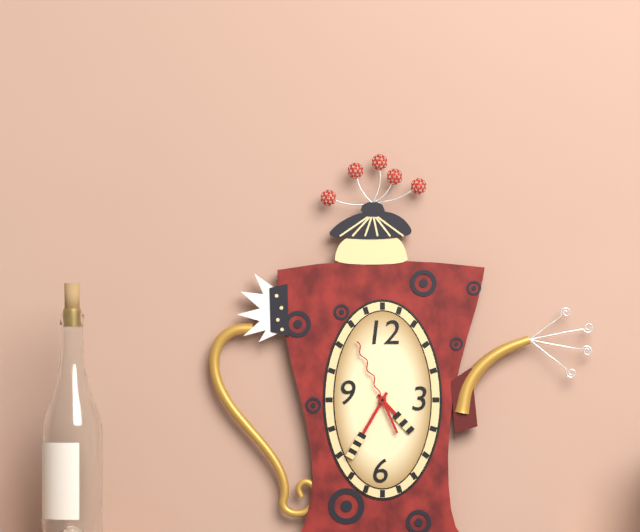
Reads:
4,35,56
